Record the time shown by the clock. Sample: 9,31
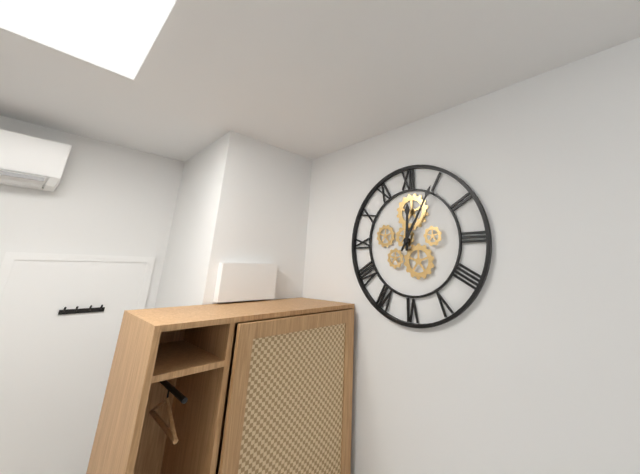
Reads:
12,05
